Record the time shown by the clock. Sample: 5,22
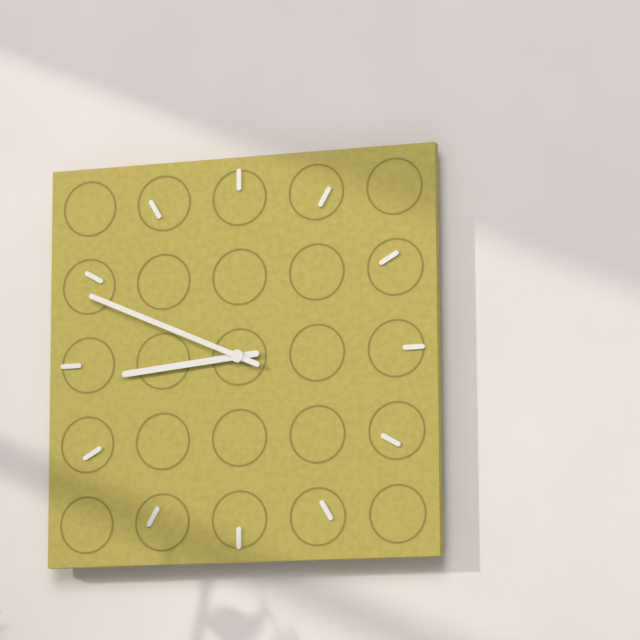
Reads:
8,49
